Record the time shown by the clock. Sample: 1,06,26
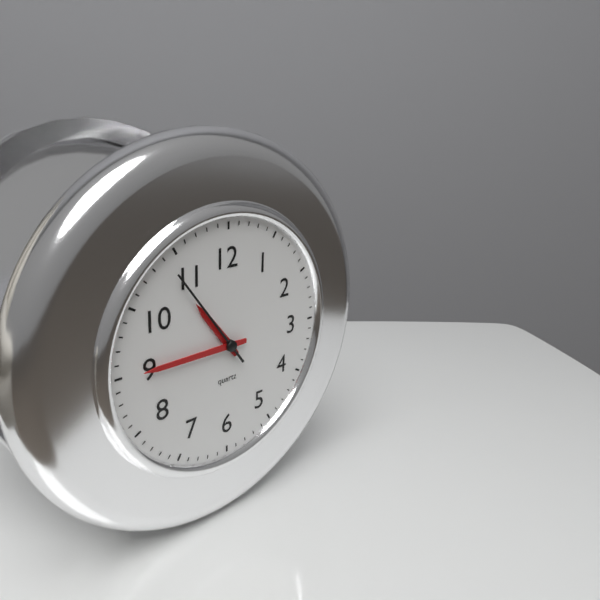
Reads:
10,45,54
